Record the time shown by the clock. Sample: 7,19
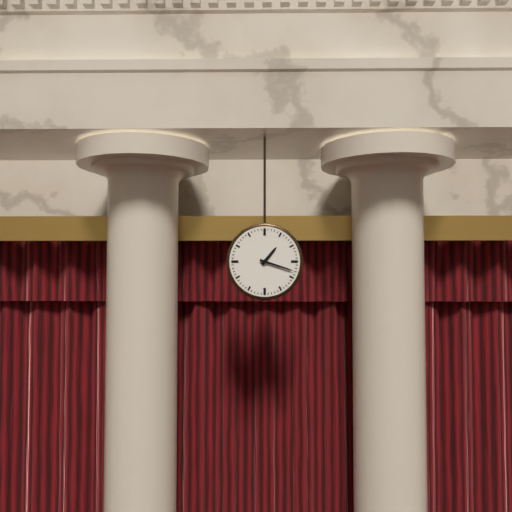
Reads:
1,18
